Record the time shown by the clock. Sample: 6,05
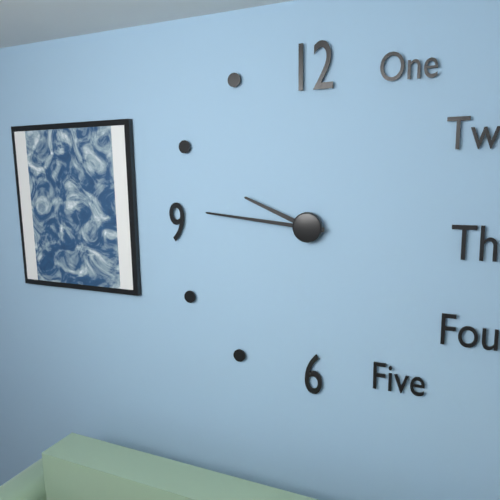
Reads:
9,46
